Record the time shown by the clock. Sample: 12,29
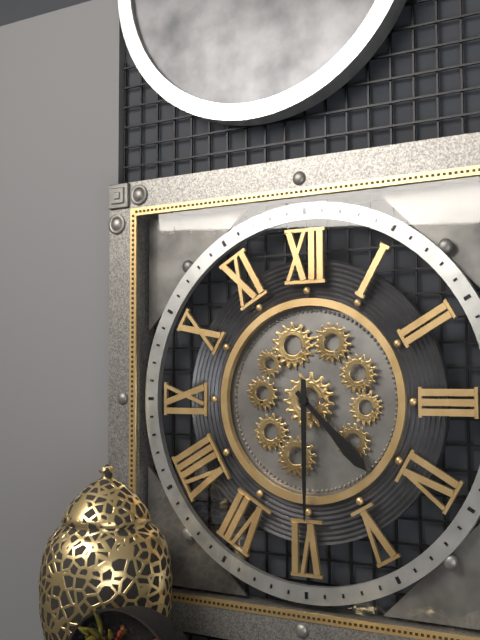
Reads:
4,30
